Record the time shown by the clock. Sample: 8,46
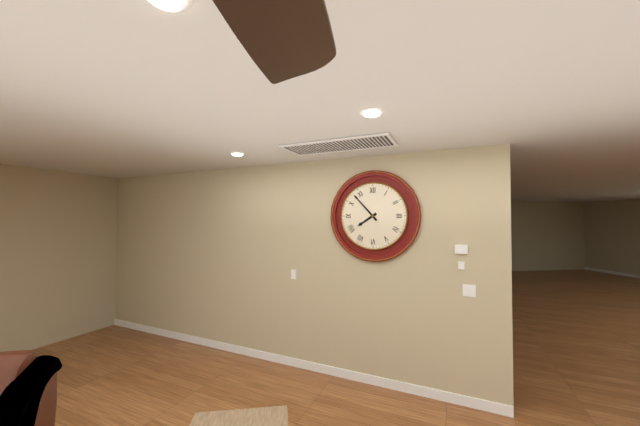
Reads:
7,53
